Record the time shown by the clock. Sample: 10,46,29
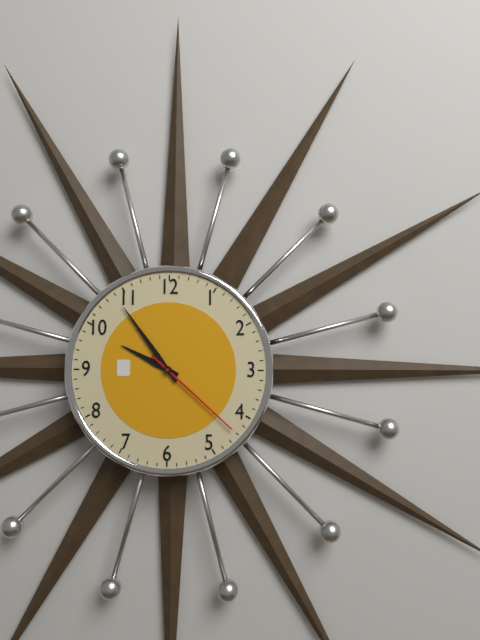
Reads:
9,54,22
